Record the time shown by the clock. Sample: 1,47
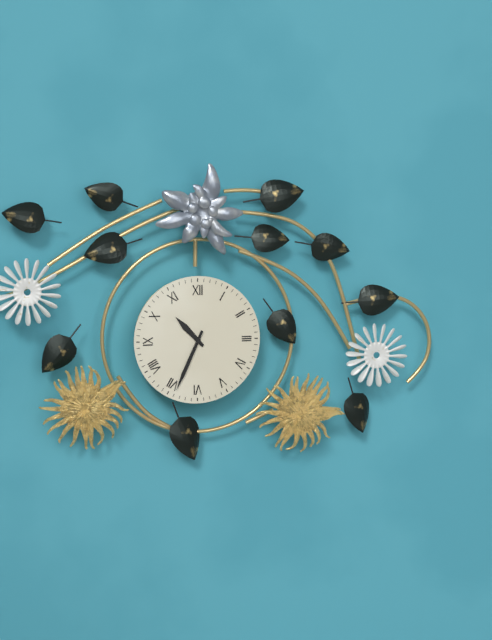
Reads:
10,34
